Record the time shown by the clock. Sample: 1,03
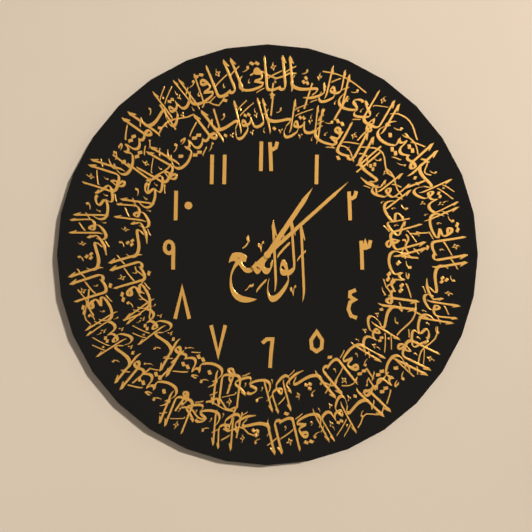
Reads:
1,08
